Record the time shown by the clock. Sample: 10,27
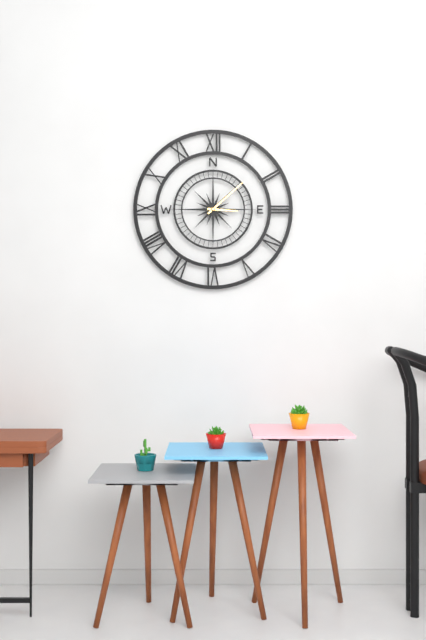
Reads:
3,08
